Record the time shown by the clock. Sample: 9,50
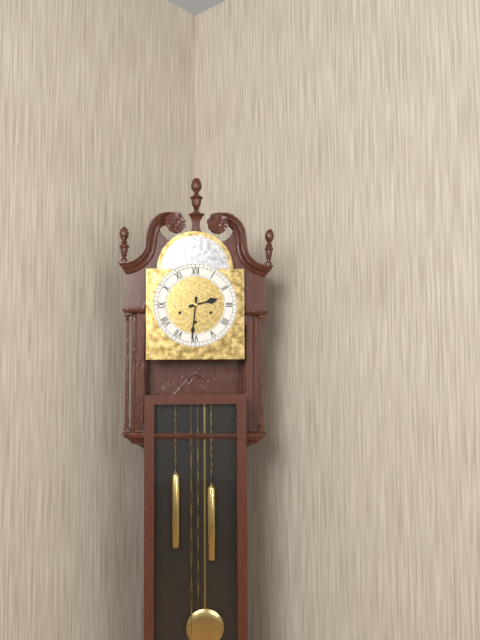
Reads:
2,31
